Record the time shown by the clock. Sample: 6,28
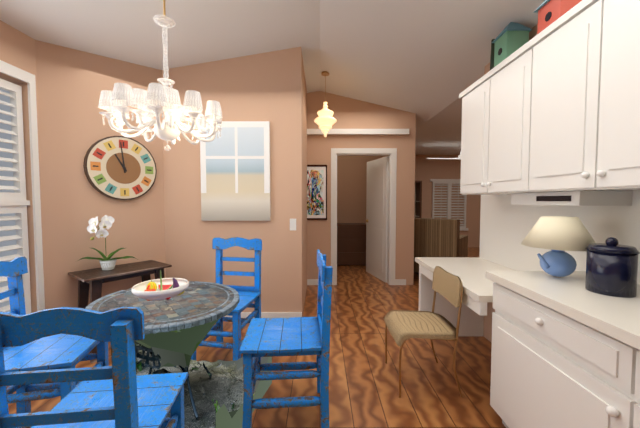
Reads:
10,59
